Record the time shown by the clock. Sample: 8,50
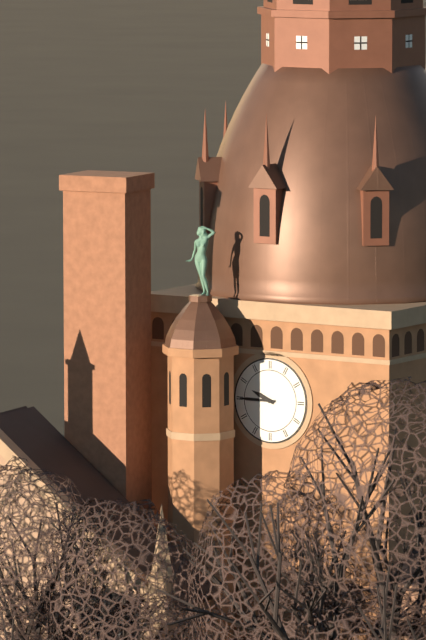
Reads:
9,45
